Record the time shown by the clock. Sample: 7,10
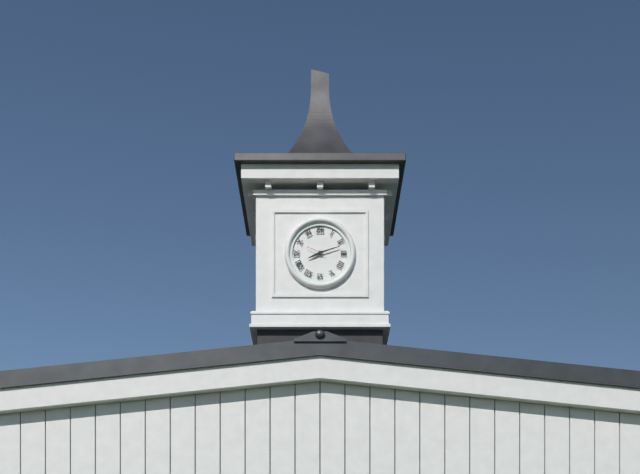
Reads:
8,12
